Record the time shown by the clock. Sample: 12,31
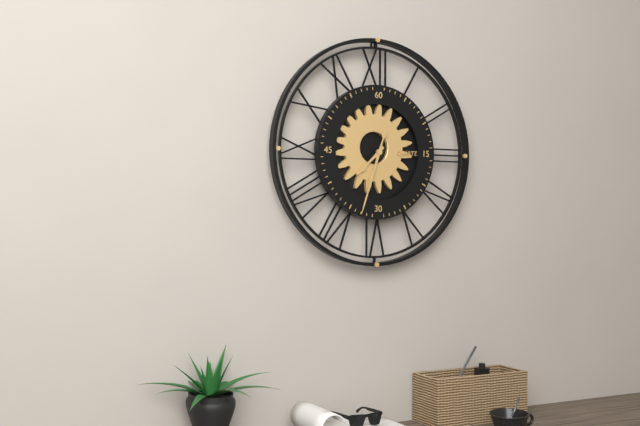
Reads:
7,33
